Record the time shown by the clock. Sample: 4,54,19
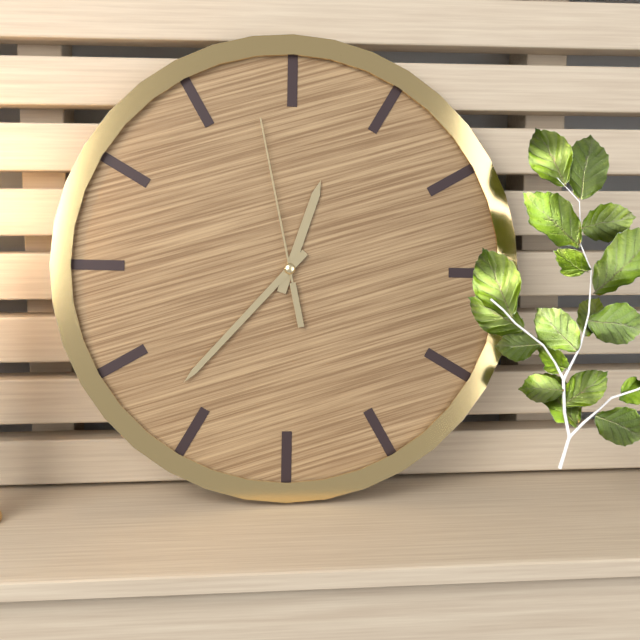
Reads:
12,37,58
